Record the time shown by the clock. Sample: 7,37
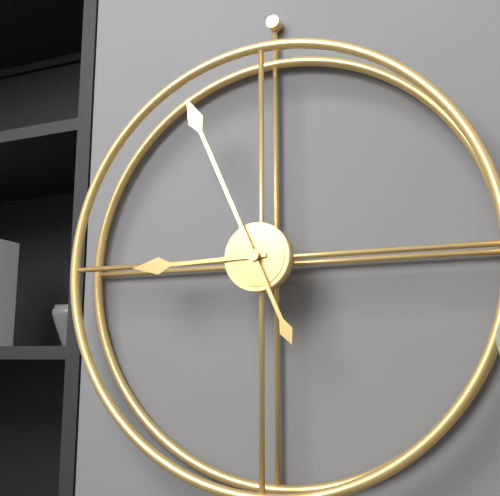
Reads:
8,56
